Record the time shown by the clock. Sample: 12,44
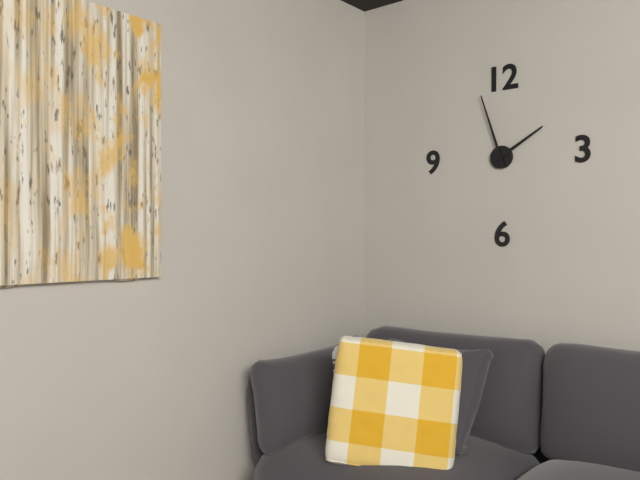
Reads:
1,57
